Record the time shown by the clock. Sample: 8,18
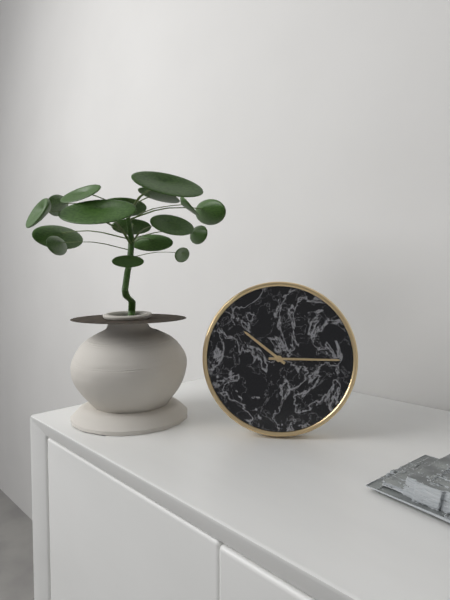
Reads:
10,15
